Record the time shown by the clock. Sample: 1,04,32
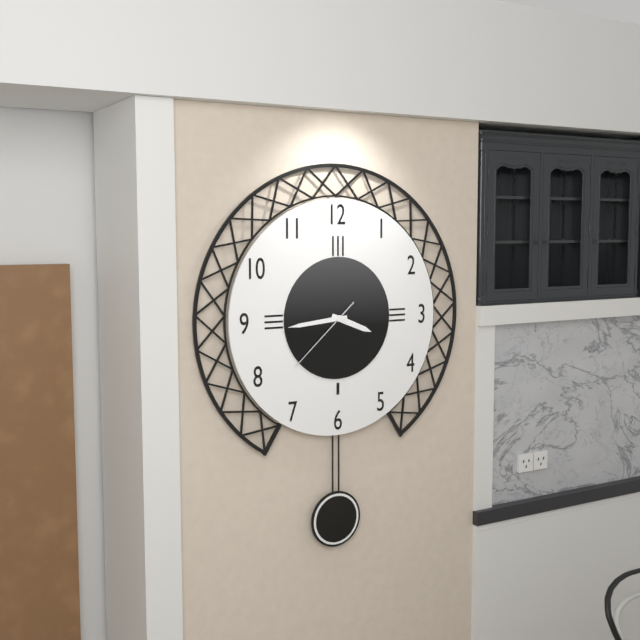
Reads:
3,44,38
